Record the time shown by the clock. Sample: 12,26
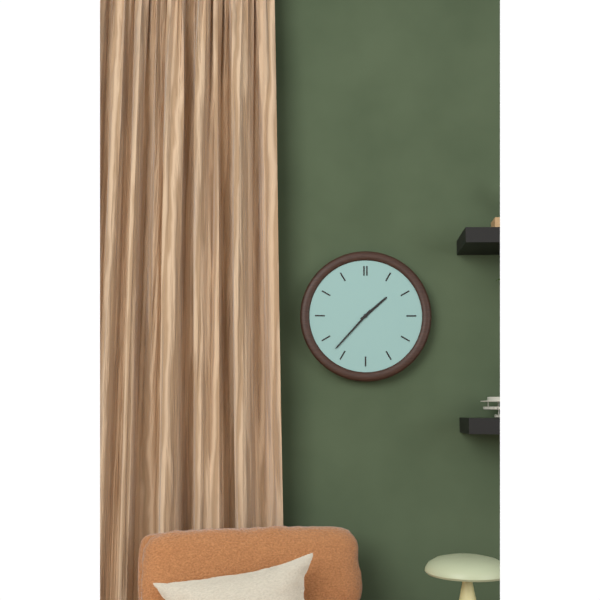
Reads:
1,37
